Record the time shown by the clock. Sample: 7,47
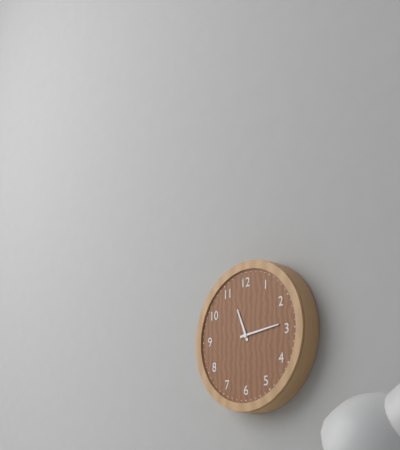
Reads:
11,14
